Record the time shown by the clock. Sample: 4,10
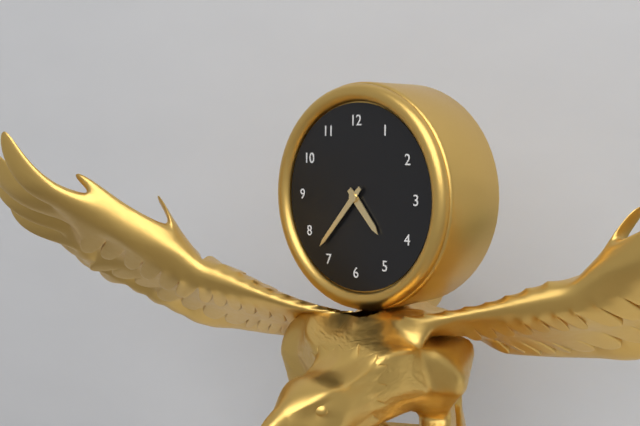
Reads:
4,37
